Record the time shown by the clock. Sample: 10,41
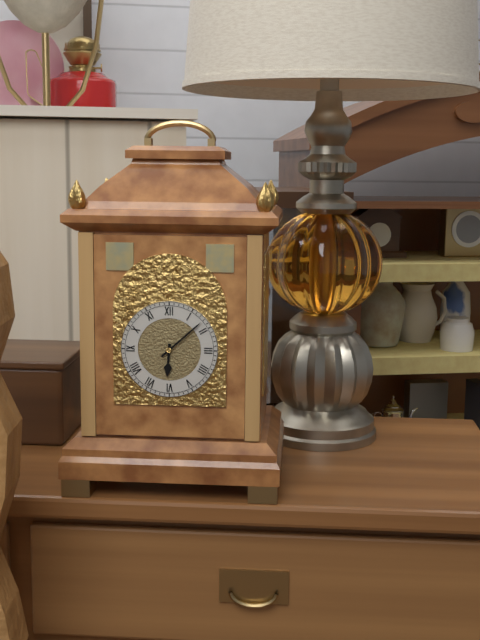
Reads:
6,08
